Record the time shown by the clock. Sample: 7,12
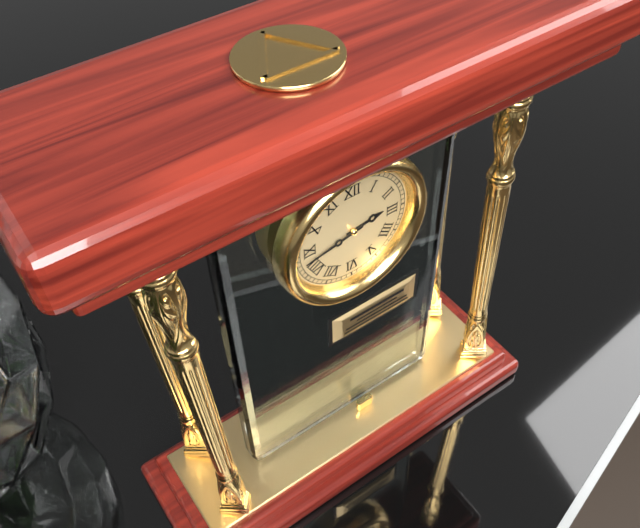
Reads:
2,43
